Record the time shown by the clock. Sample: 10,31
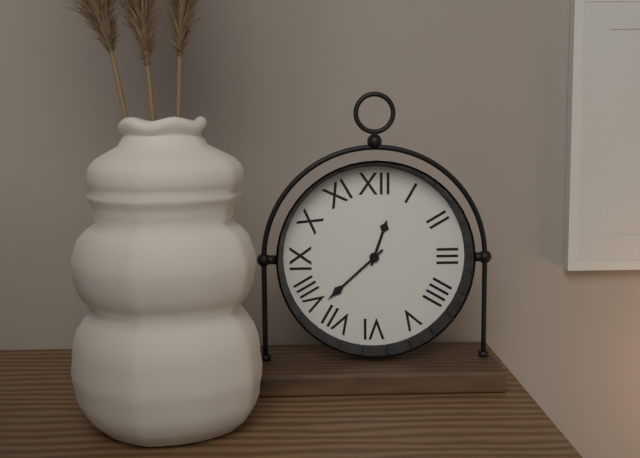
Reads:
12,38
